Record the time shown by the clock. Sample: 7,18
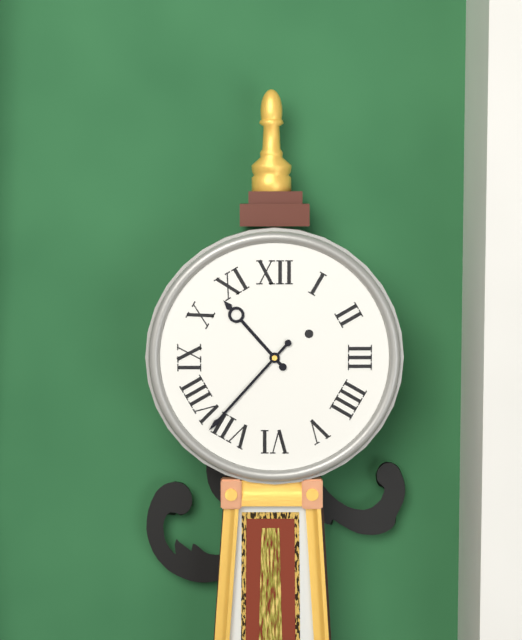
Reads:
10,37
